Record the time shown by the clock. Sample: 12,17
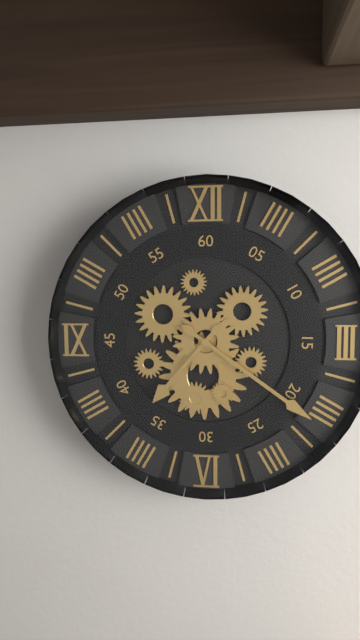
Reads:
7,21
